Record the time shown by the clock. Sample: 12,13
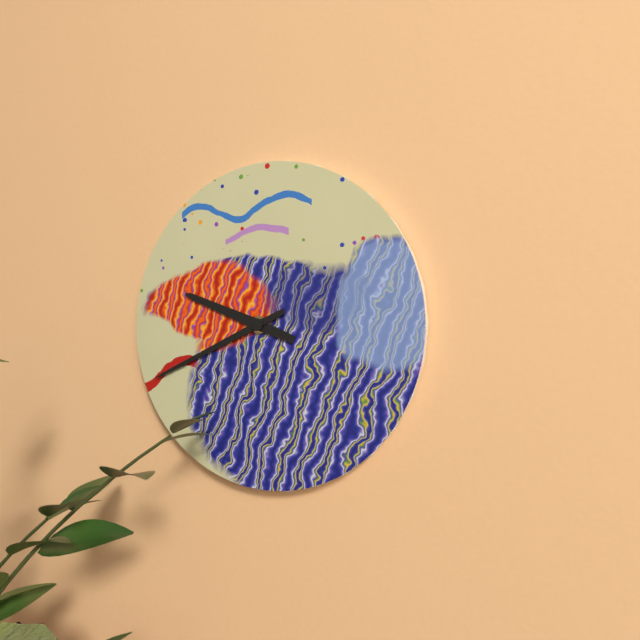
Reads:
9,41
